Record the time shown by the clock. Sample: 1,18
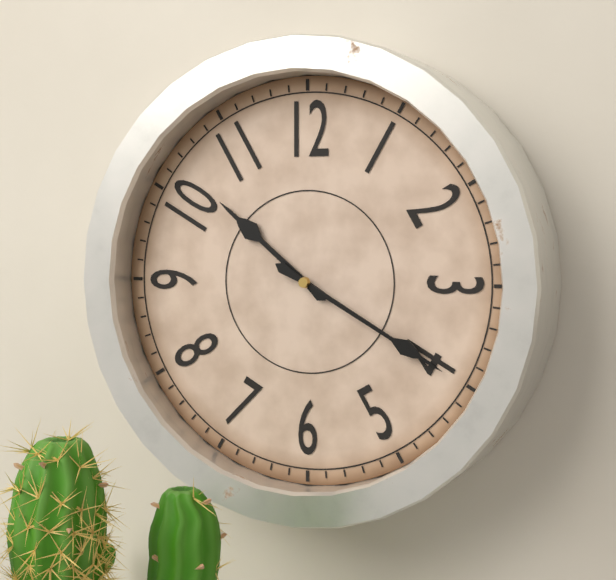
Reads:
10,20
